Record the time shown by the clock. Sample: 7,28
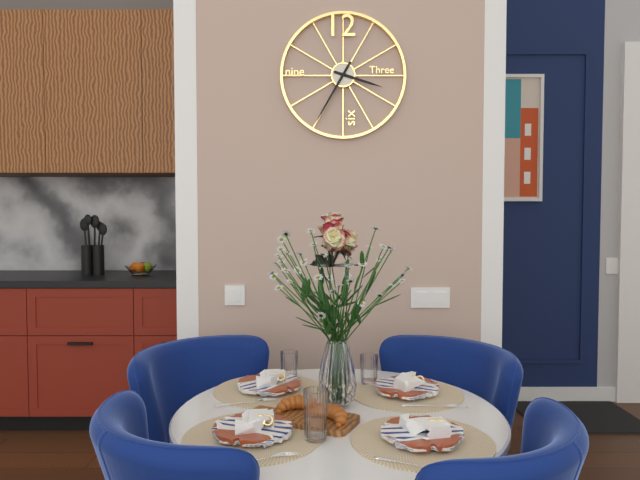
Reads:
3,35
